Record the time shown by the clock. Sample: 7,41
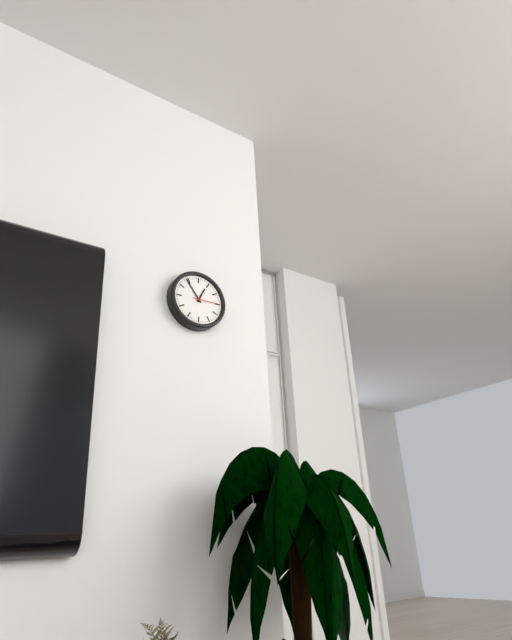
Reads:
12,54
